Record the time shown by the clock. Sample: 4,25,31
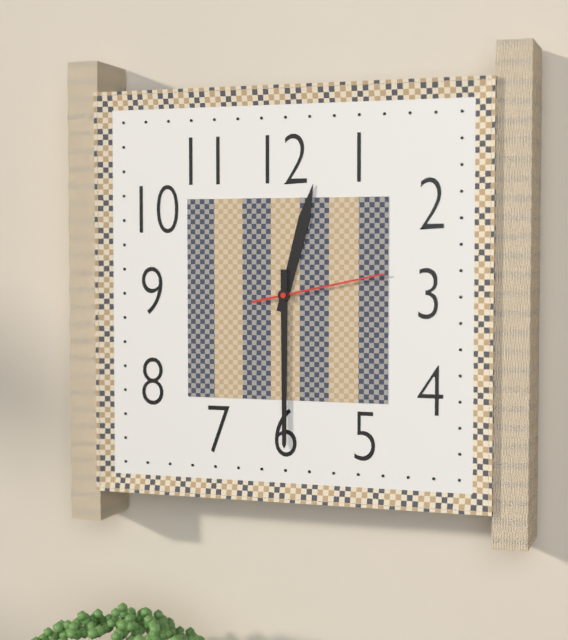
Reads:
12,30,13
